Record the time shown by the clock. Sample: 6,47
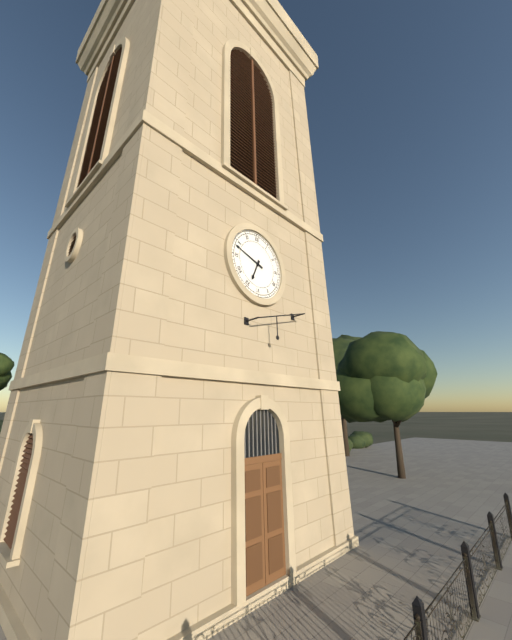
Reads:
6,48
